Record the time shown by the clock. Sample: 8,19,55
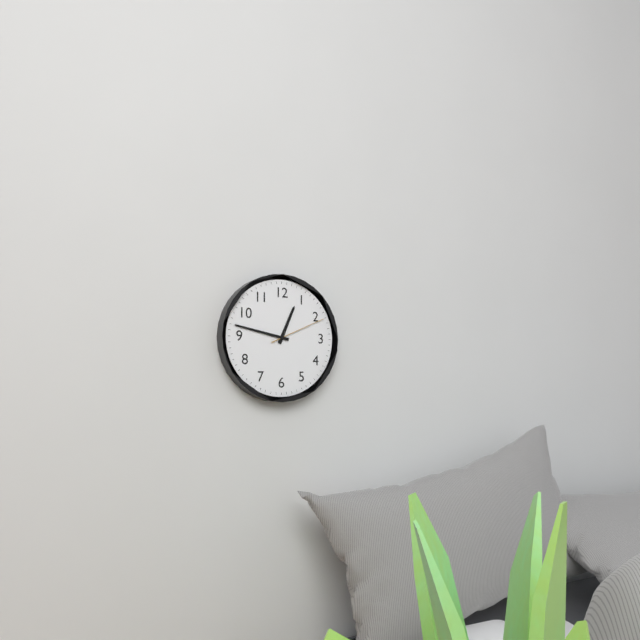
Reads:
12,47,11
